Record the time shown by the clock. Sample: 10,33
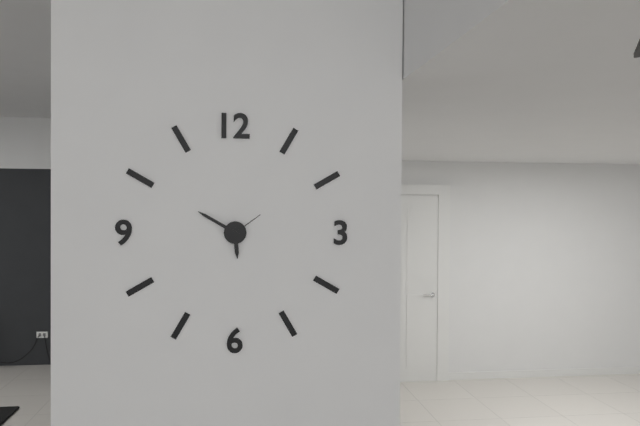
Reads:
5,50
